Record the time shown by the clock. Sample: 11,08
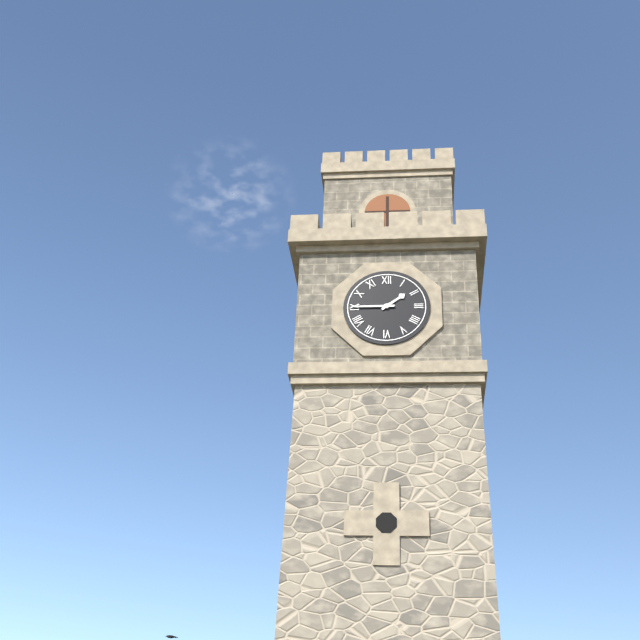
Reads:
1,45
